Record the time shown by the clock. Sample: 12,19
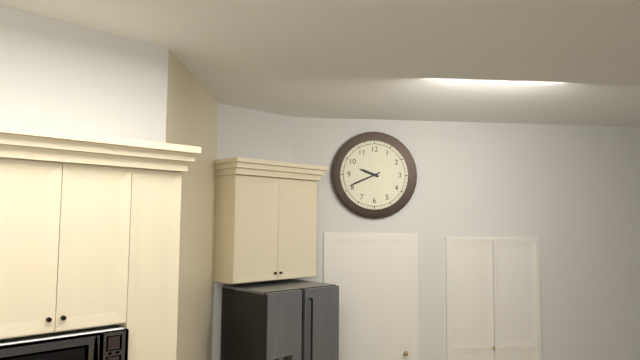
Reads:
9,41
